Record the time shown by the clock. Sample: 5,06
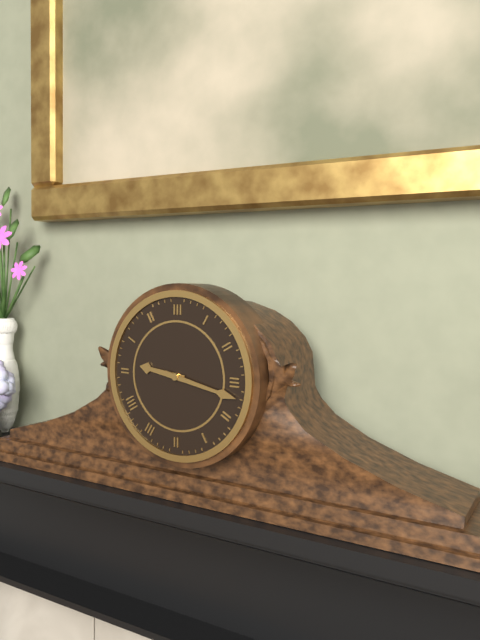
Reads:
9,17
